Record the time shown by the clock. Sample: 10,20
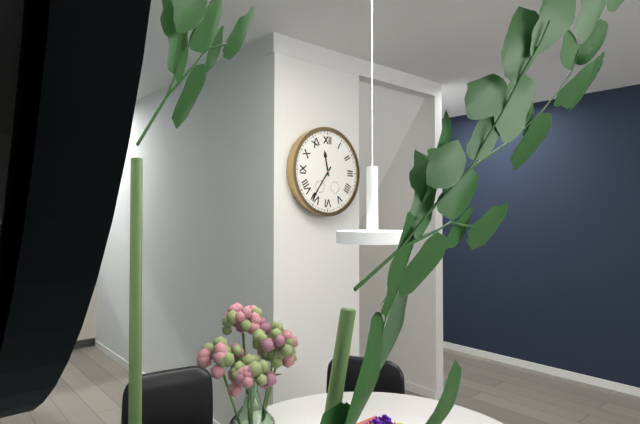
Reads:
11,36
